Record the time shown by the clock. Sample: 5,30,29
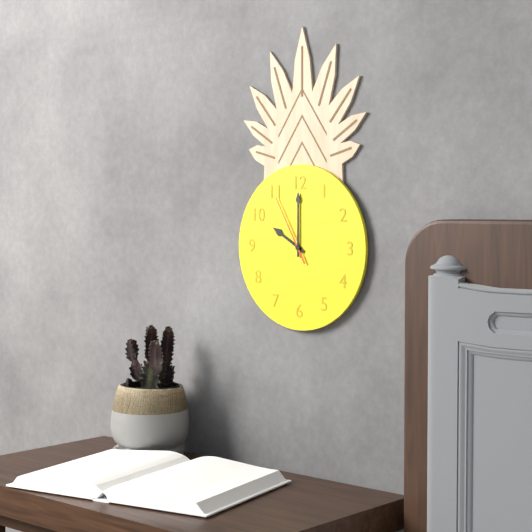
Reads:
10,00,55
